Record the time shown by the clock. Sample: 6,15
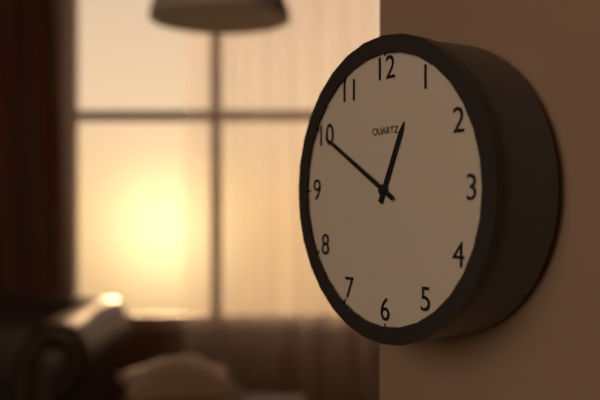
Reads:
12,50
